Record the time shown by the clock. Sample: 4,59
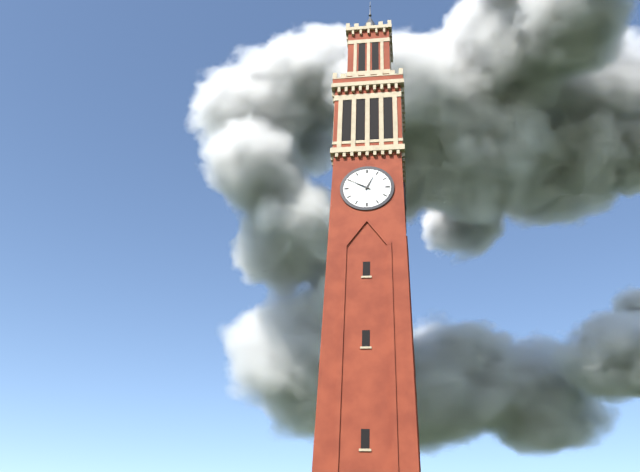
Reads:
12,50
